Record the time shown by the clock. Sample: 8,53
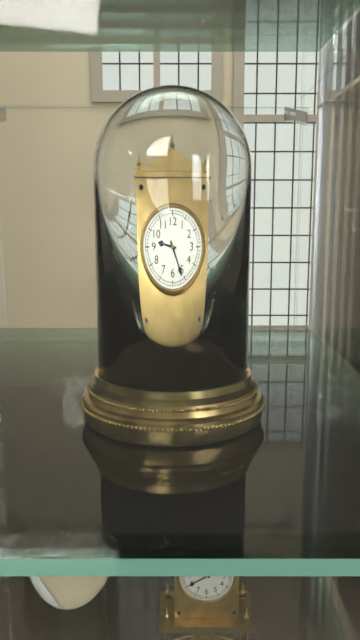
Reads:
9,26
